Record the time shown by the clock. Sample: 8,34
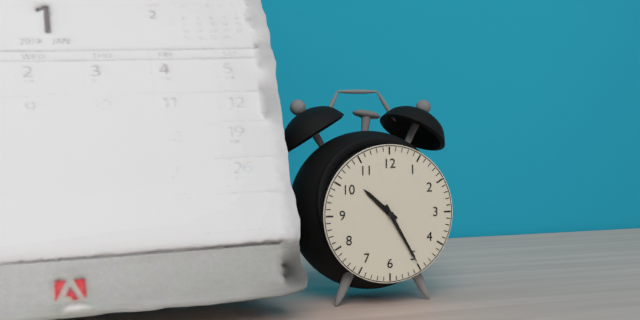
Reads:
10,25
